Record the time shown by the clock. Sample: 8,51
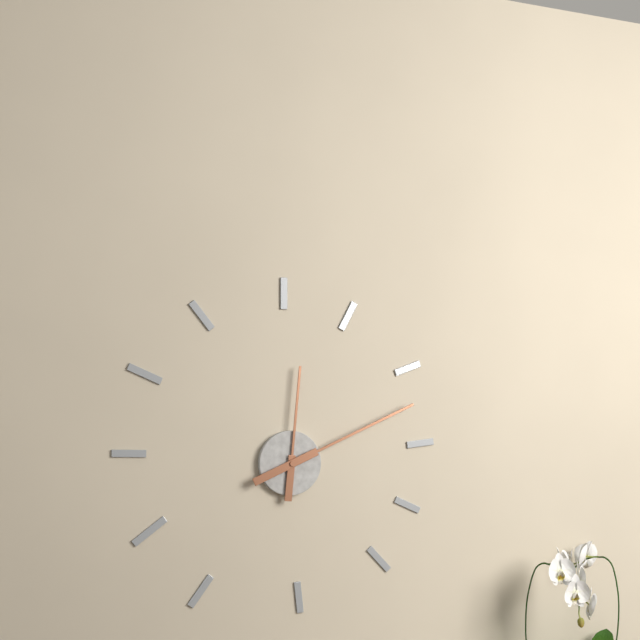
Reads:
12,11
